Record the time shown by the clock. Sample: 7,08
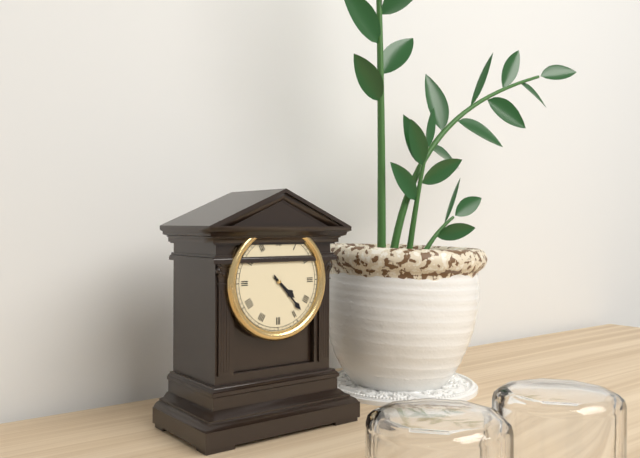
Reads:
4,23
